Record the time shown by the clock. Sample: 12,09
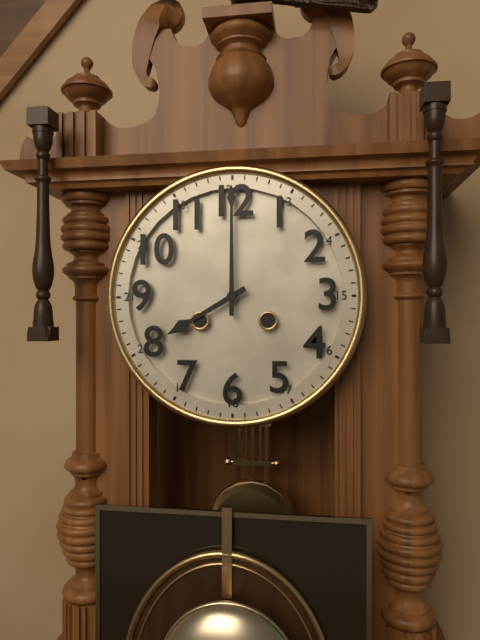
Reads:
8,00
